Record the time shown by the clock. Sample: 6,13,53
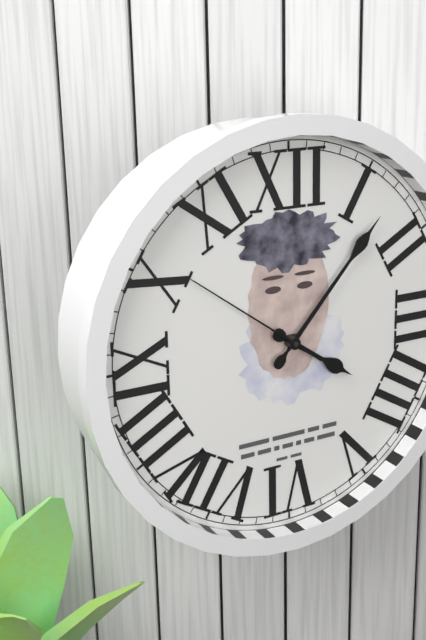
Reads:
4,07,51
